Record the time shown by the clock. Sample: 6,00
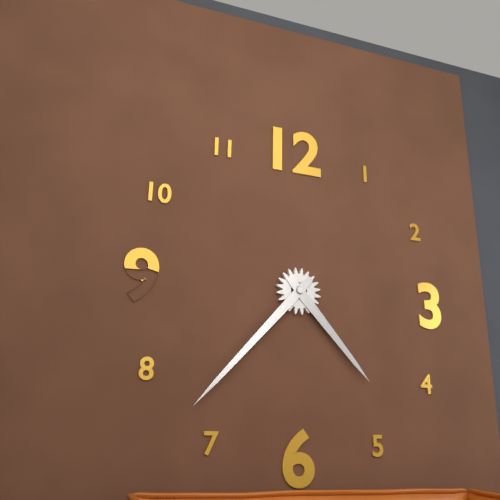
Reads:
4,37
